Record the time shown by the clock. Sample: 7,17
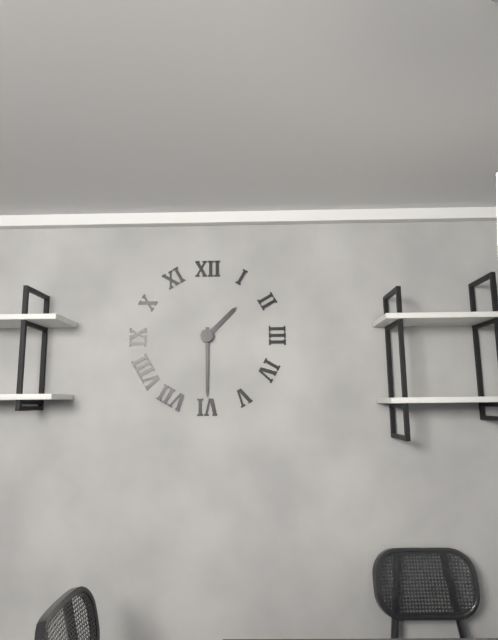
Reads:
1,30
